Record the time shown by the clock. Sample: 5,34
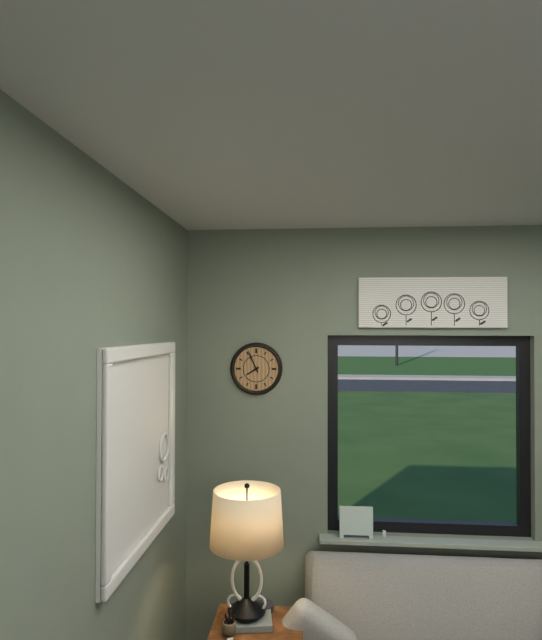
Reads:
7,56
